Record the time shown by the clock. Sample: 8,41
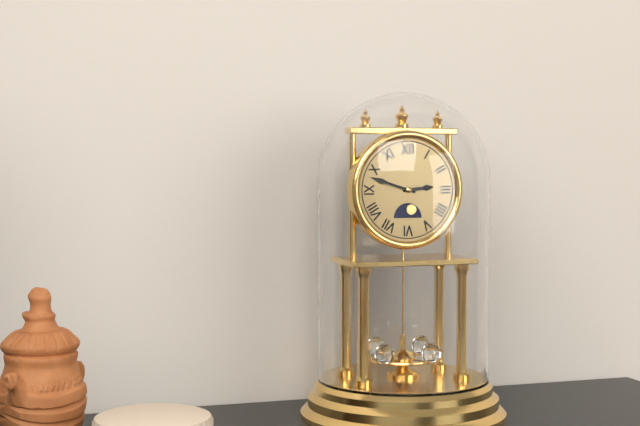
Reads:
2,48
